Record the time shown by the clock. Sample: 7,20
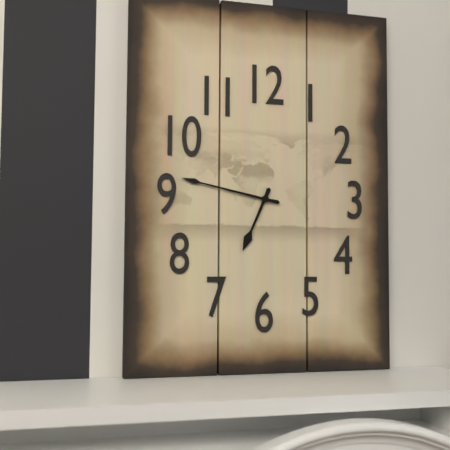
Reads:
6,47
